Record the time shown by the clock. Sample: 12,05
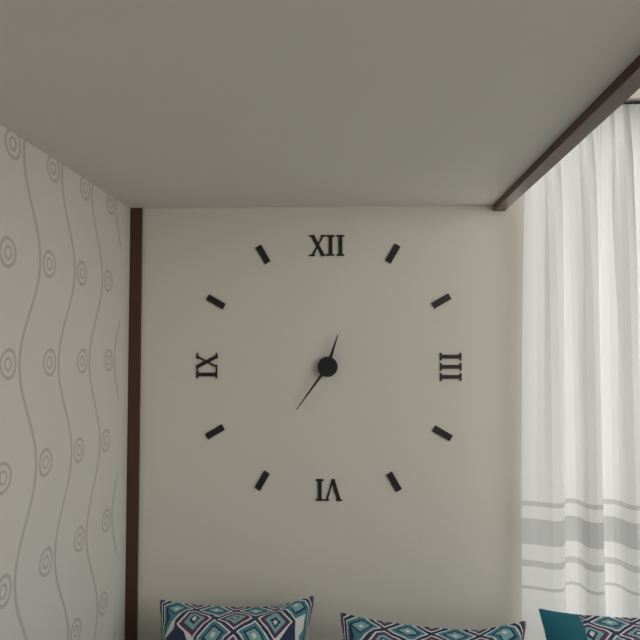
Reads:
12,36
